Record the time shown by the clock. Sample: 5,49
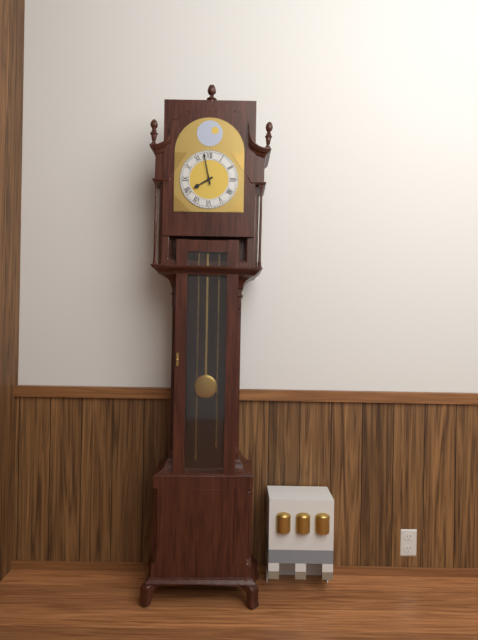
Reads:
7,58
